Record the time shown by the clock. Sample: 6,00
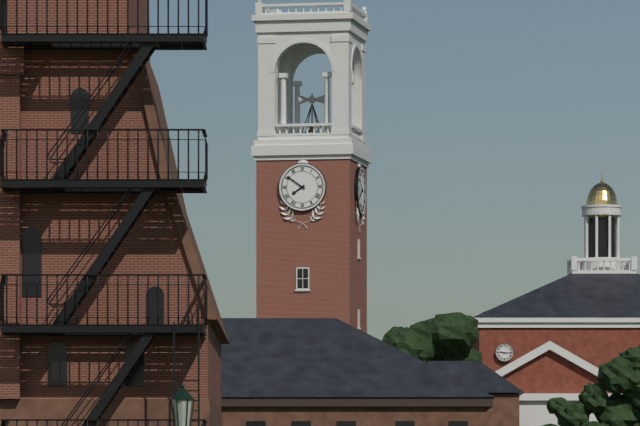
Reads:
7,51
